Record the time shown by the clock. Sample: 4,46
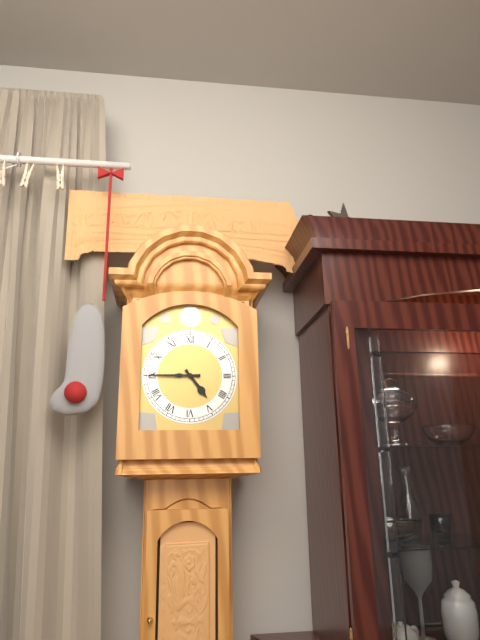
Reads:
4,45
